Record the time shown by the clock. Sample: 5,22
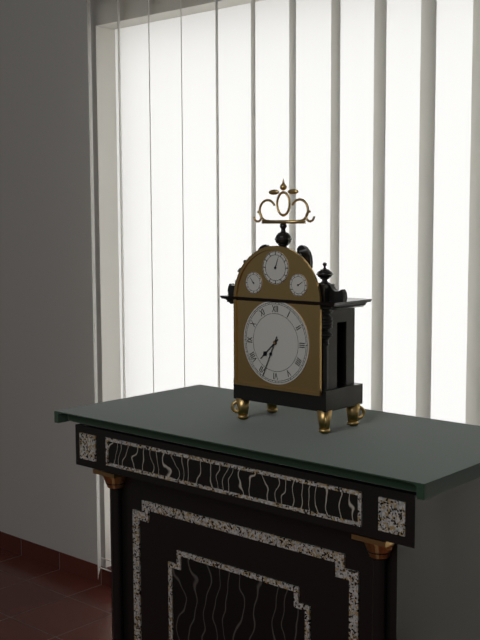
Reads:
7,34
